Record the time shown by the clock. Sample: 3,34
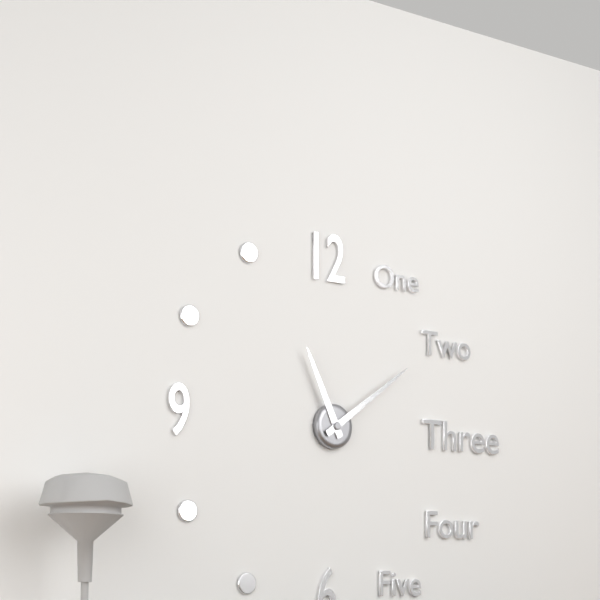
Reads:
11,09
